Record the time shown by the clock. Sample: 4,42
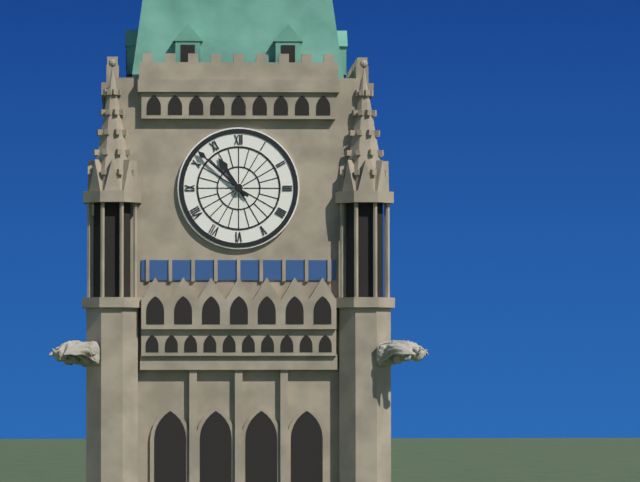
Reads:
10,52
